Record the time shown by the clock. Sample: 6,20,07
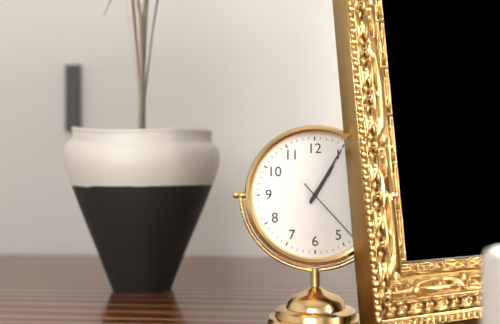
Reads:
1,05,23
